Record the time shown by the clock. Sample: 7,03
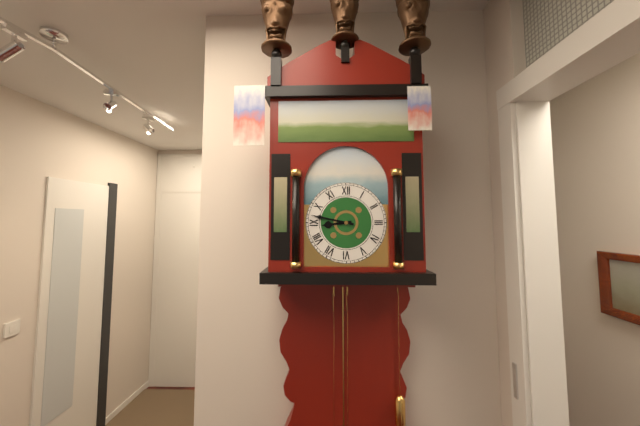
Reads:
8,47
